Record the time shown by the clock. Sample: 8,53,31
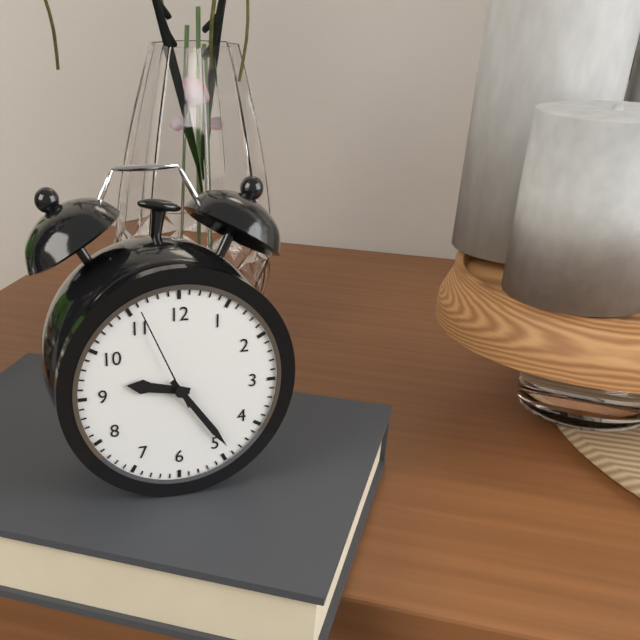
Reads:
9,24,56
